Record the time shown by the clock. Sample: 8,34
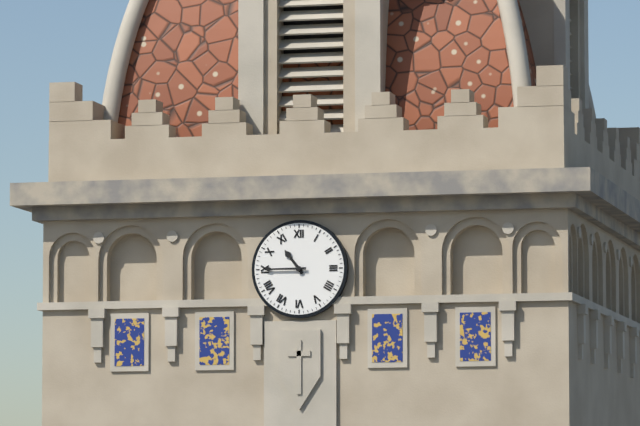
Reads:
10,45
